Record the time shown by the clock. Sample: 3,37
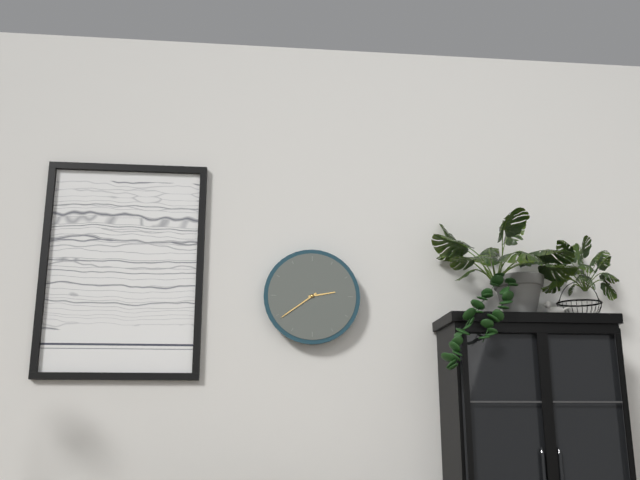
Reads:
2,39
